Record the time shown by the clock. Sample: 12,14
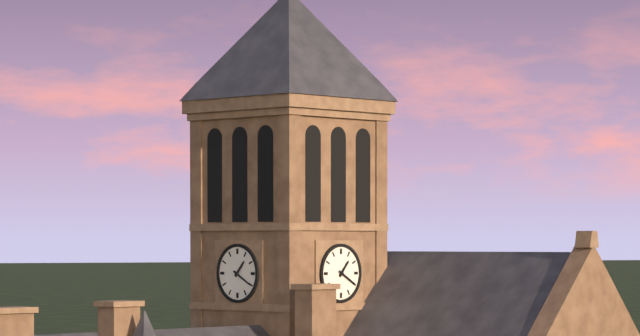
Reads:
1,20
